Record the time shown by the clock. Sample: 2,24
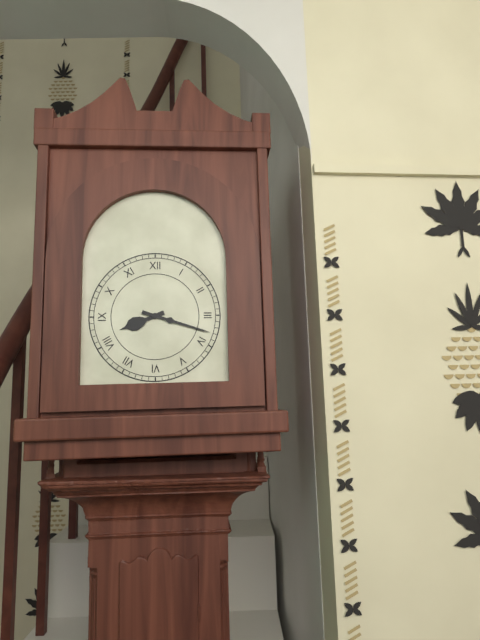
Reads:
8,18
